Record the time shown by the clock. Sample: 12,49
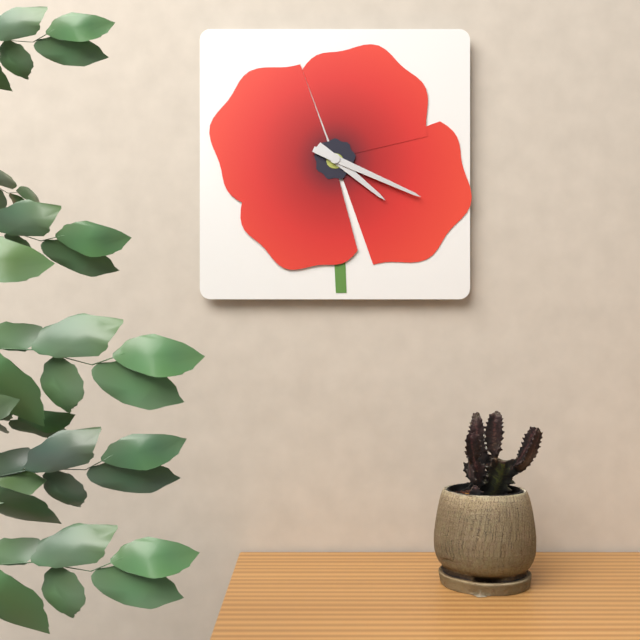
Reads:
4,19
